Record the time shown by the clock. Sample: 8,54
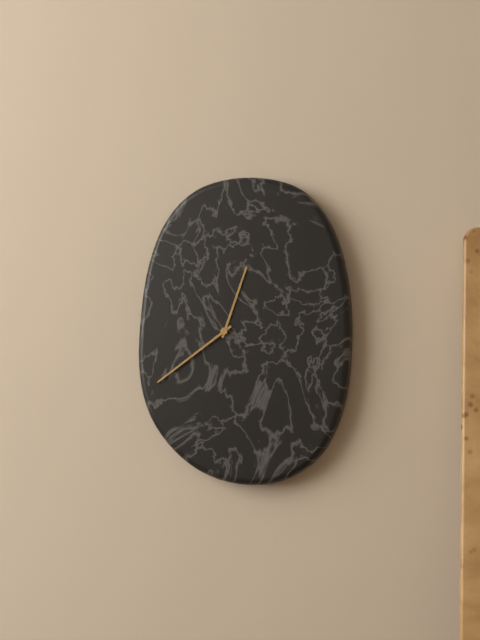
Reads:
12,39
